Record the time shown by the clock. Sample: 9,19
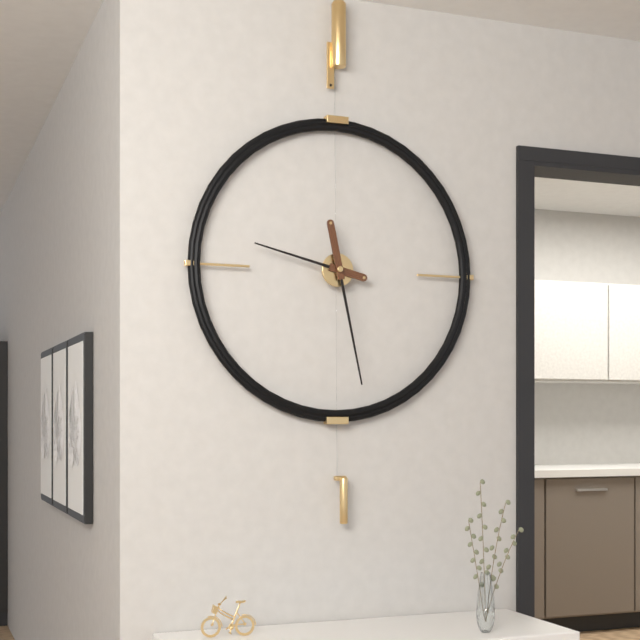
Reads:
9,28
